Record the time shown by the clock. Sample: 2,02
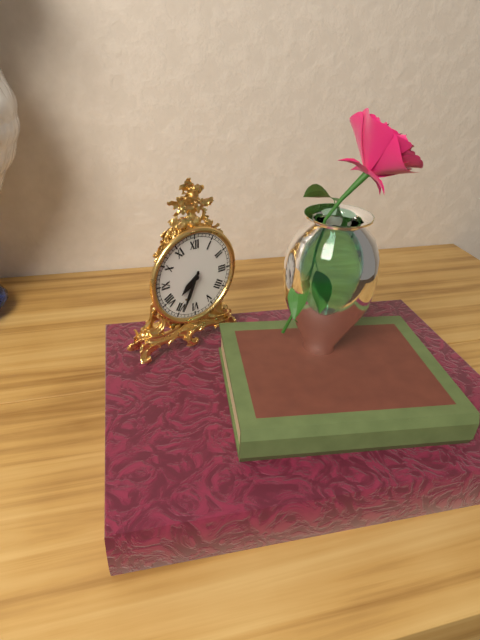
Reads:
7,34
